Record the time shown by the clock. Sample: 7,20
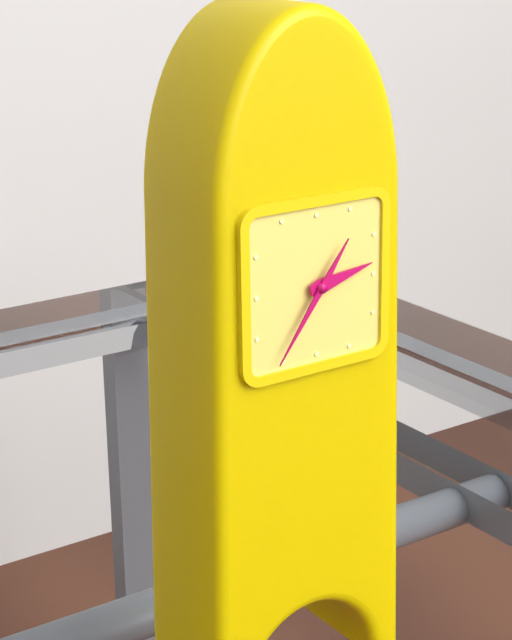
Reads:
2,36
